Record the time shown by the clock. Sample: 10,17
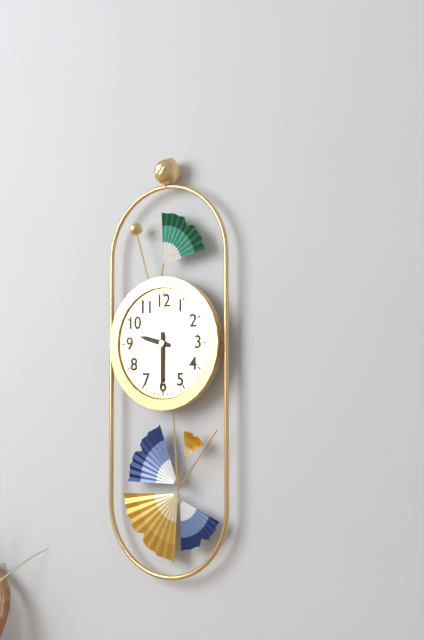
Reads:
9,30
